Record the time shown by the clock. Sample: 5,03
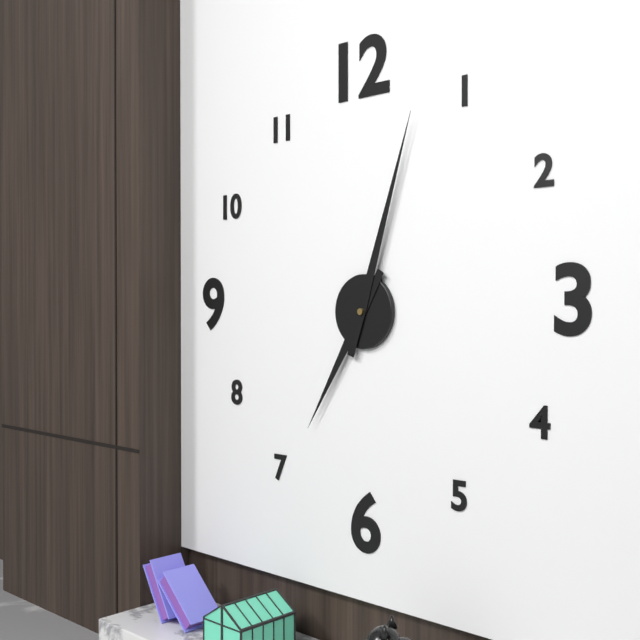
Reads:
7,03
